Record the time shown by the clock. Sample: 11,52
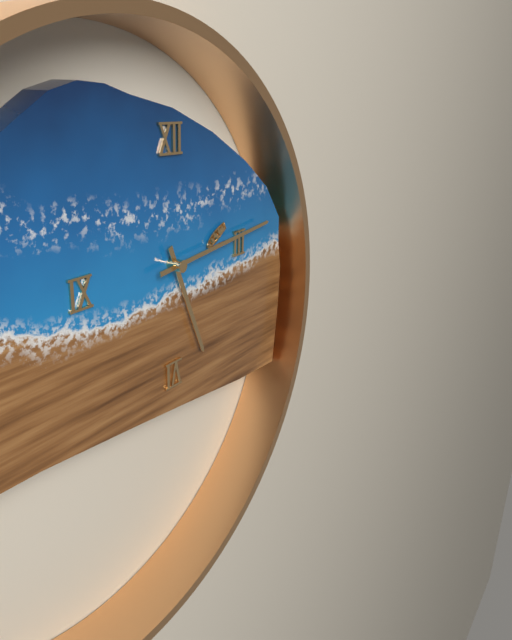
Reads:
5,14
